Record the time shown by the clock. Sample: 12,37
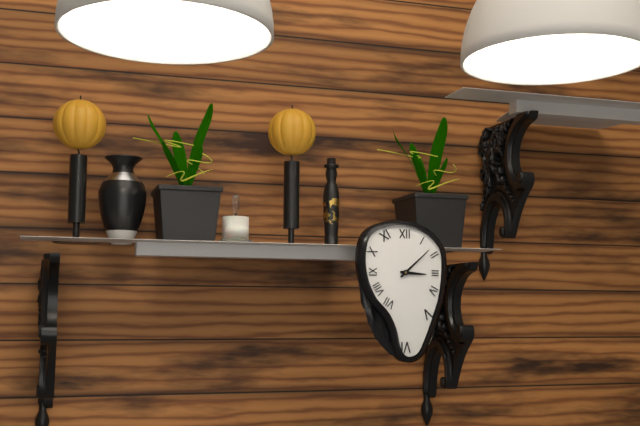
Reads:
3,08
